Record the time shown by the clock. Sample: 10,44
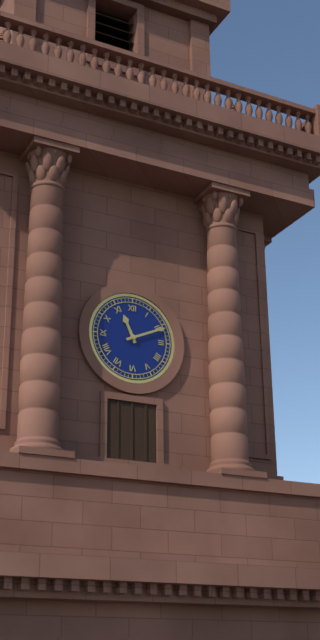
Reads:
11,11
